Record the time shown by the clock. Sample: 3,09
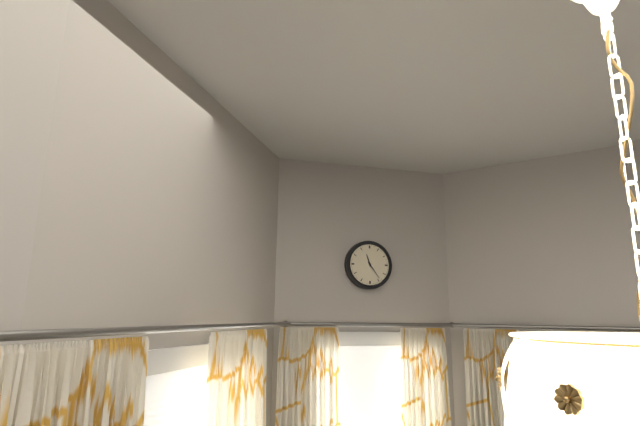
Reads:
11,24
